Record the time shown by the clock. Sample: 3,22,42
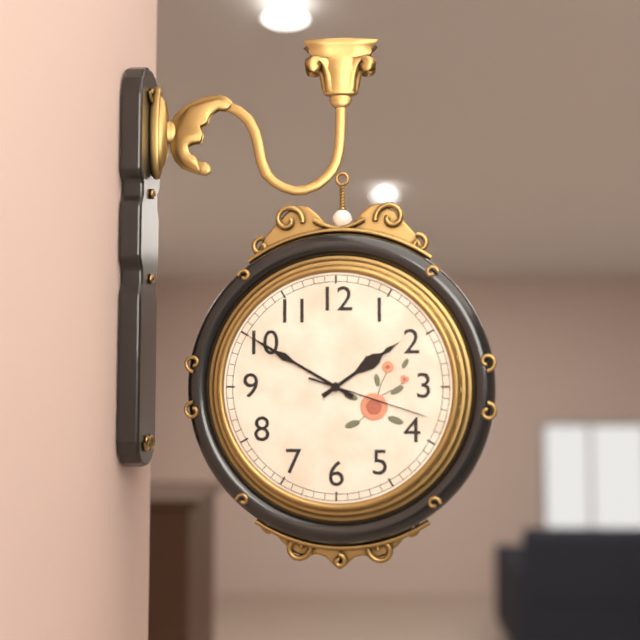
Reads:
1,50,18
